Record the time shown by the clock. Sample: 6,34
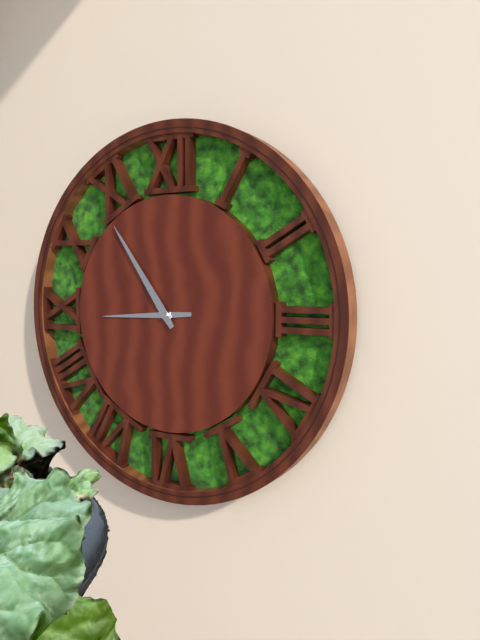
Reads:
8,54
